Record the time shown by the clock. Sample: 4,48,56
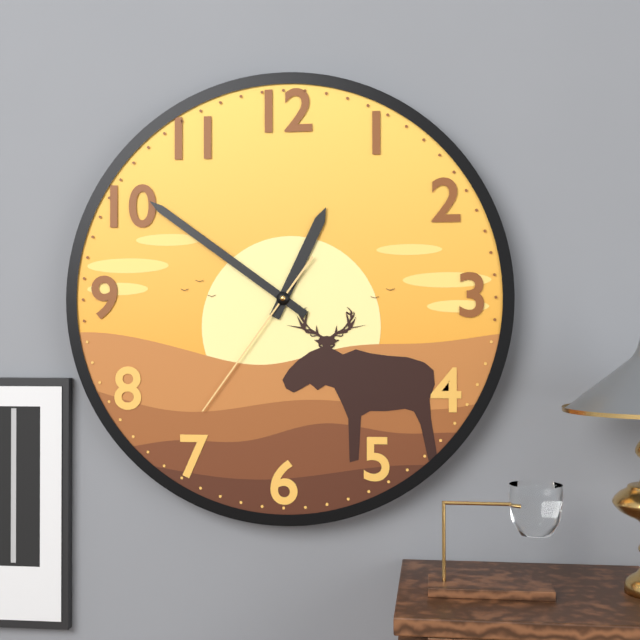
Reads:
12,51,36
